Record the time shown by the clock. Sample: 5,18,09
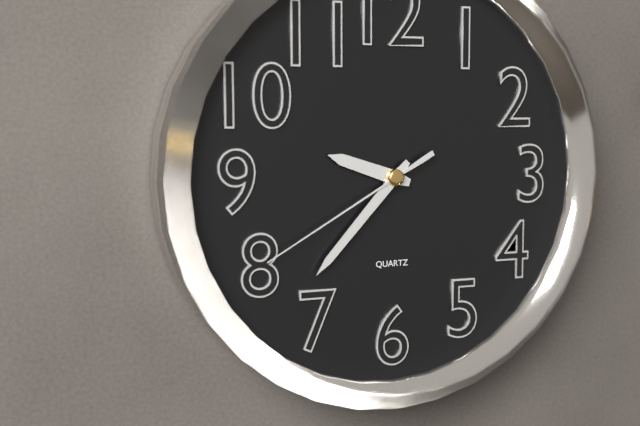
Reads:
9,37,40
